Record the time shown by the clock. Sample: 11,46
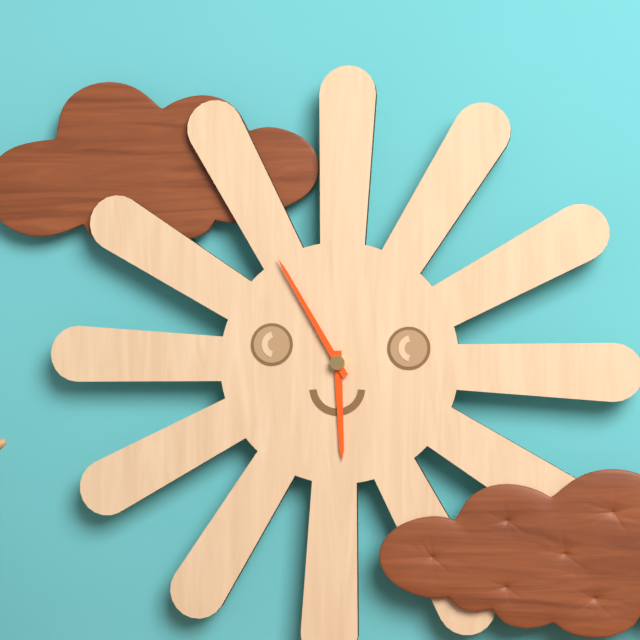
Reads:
5,55
